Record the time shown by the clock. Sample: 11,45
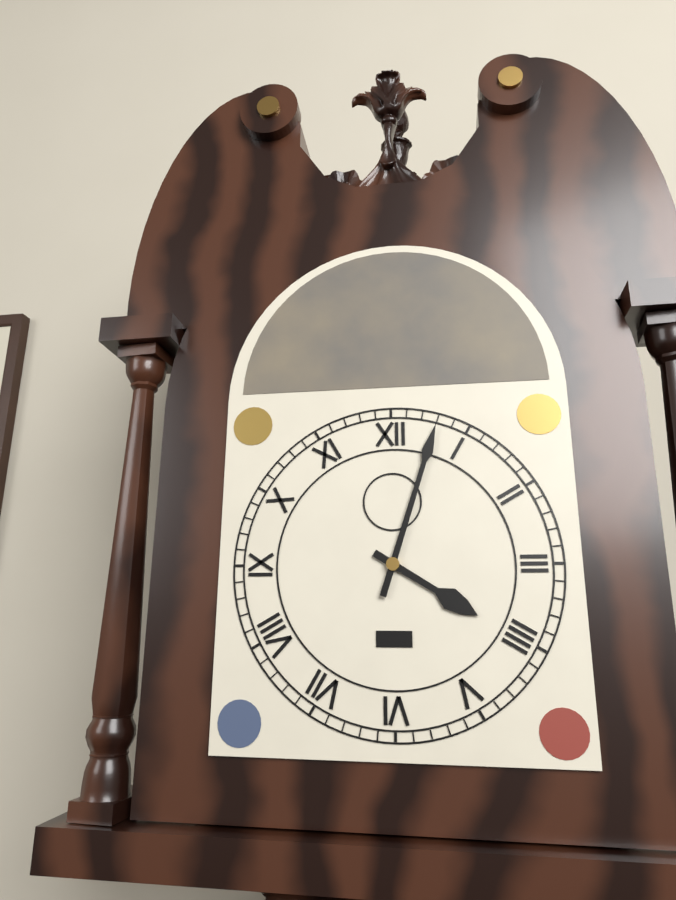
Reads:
4,03
